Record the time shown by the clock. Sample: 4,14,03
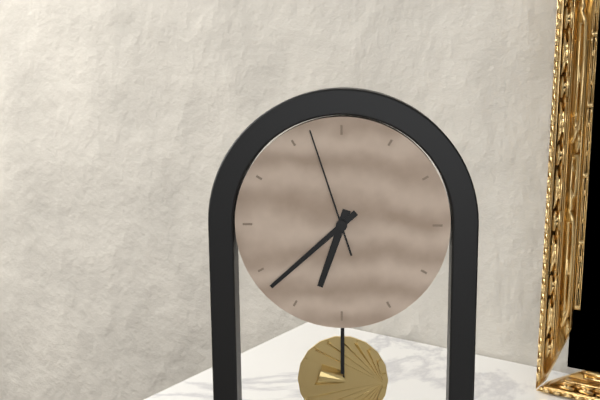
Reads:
6,38,57
